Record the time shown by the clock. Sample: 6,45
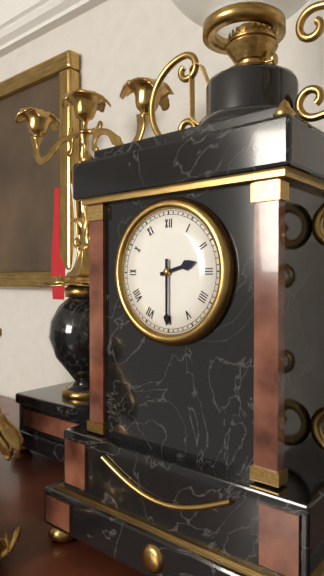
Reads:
2,30
